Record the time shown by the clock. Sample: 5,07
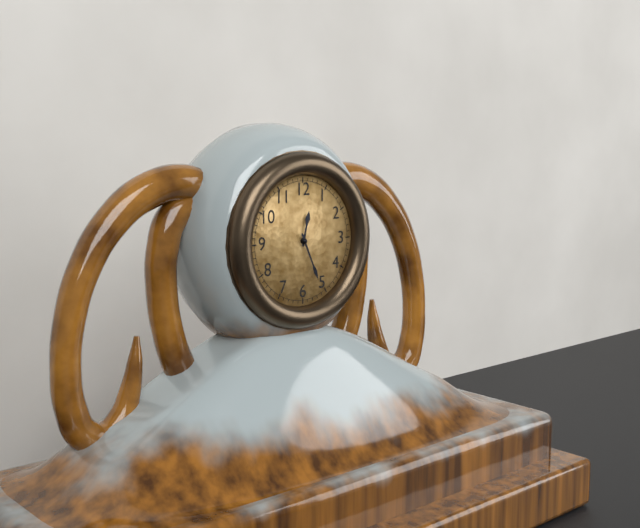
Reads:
12,26
